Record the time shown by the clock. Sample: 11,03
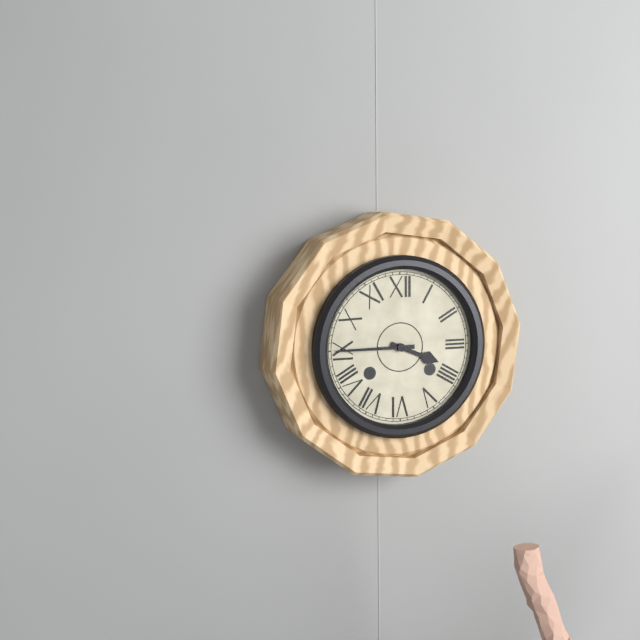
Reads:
3,45
